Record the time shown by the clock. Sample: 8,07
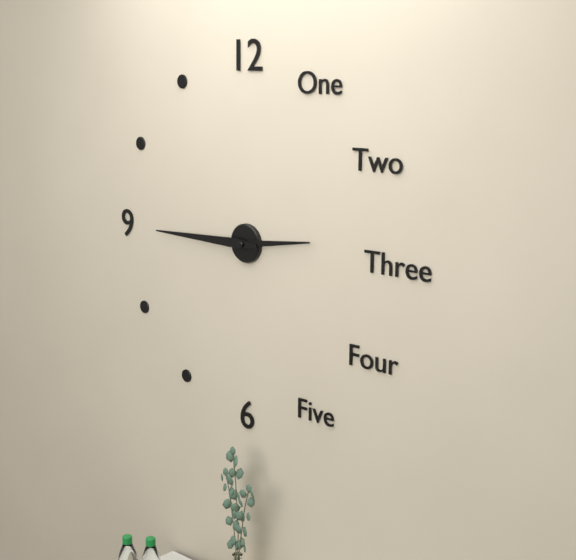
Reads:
2,45
